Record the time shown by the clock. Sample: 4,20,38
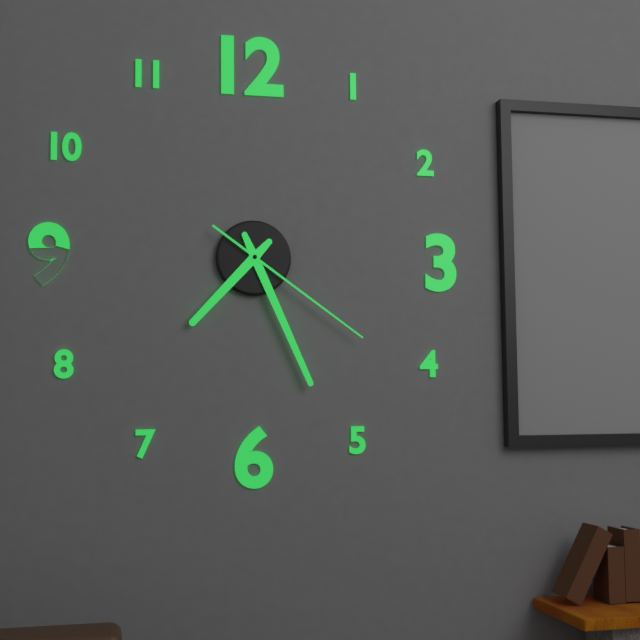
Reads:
7,26,21
